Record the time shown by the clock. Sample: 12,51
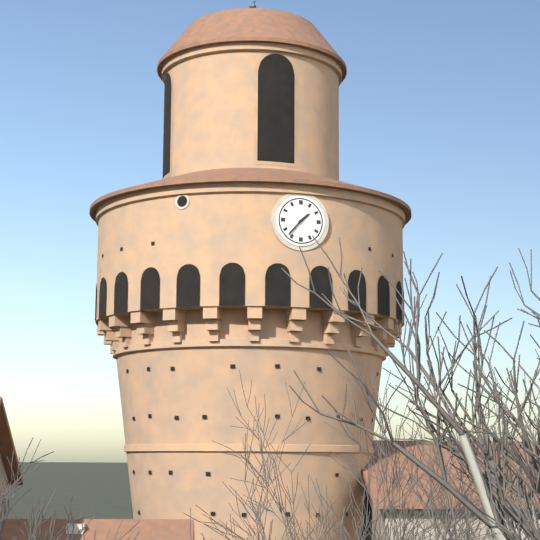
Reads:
1,37
